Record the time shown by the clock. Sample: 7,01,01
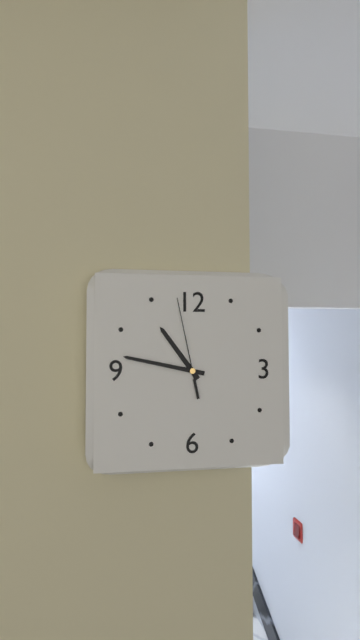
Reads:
10,47,58
